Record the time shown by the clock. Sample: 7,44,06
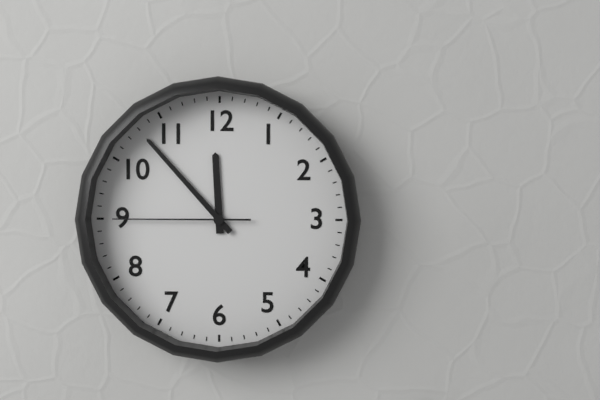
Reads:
11,53,45
